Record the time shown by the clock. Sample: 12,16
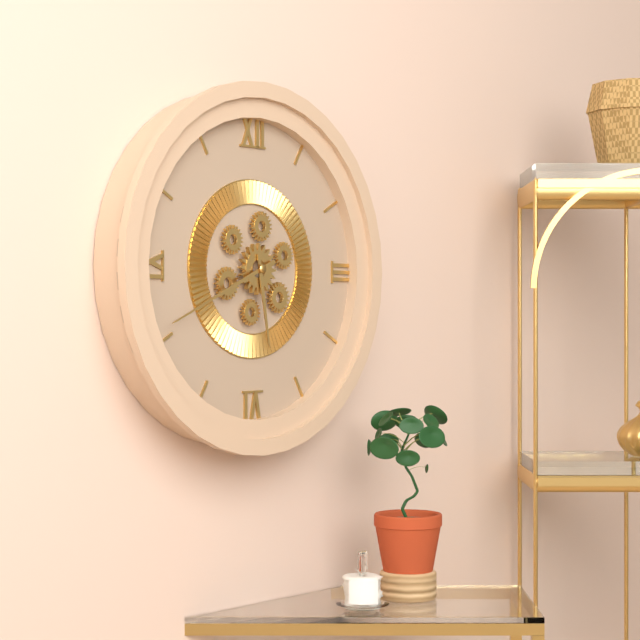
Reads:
5,41
